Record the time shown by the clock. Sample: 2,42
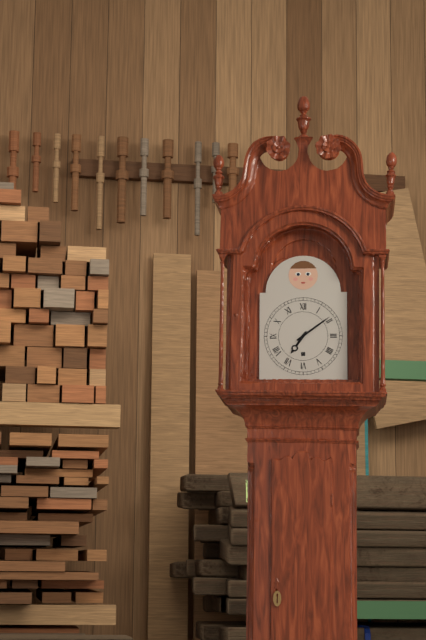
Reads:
7,09
